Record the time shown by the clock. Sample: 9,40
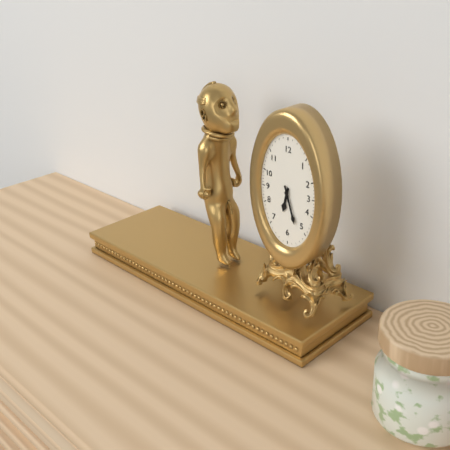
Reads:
6,27
